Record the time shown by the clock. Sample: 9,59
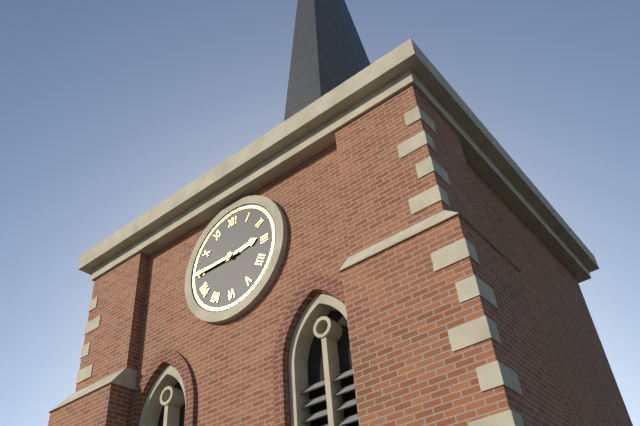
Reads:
2,45
